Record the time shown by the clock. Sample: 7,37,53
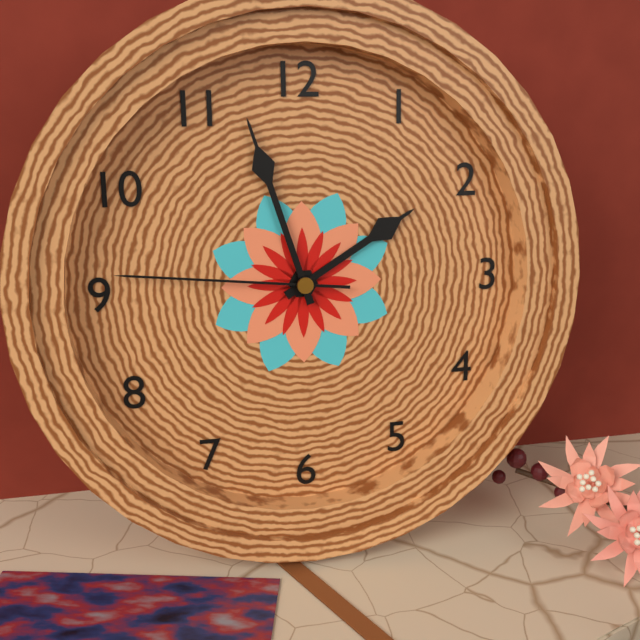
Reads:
1,57,46
